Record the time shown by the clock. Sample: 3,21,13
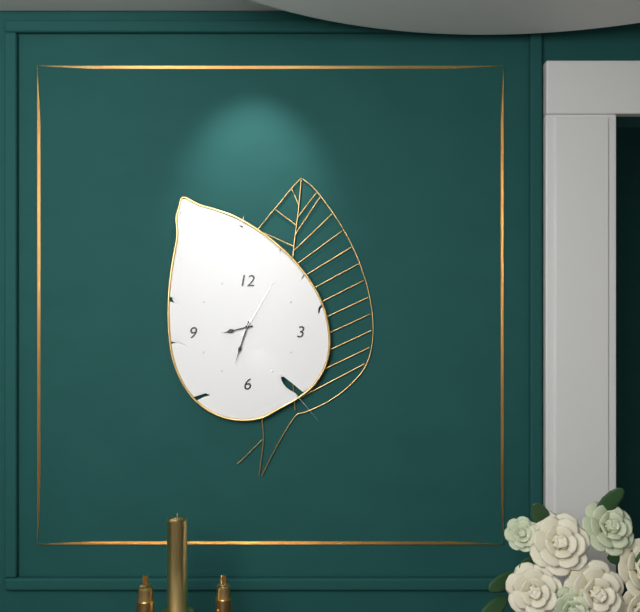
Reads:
8,33,05
